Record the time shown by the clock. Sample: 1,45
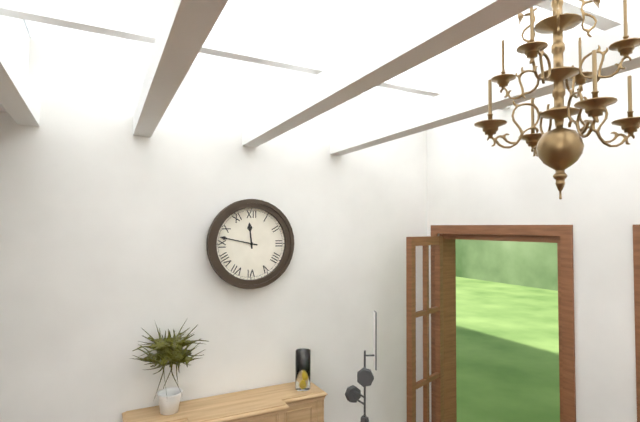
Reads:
11,47
